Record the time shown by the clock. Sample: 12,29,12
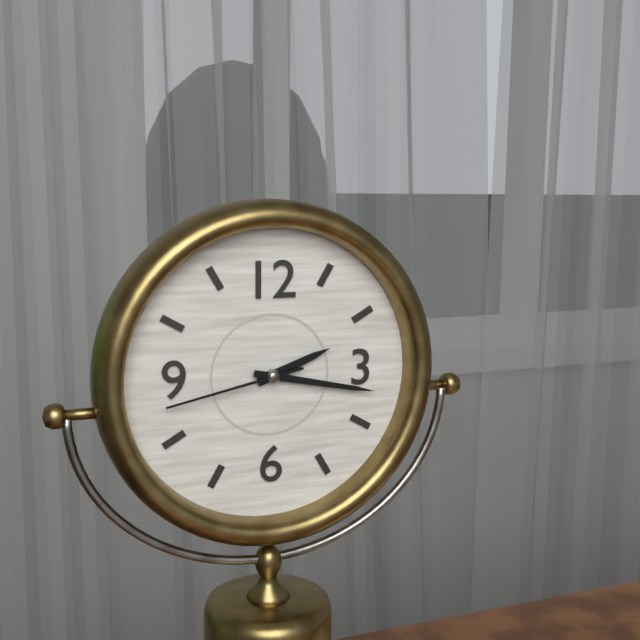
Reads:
2,17,43
